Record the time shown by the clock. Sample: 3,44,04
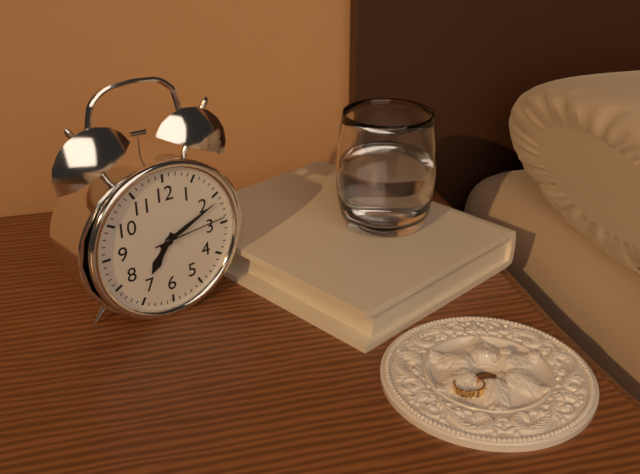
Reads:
7,11,14
